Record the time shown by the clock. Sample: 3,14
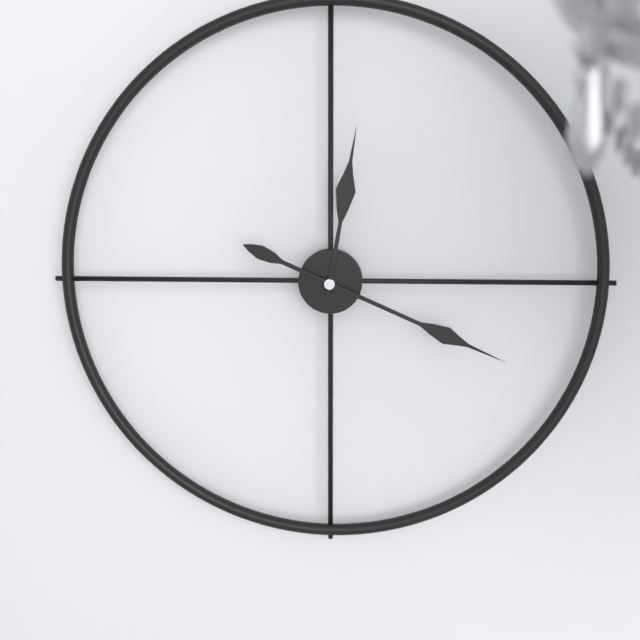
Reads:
12,19
